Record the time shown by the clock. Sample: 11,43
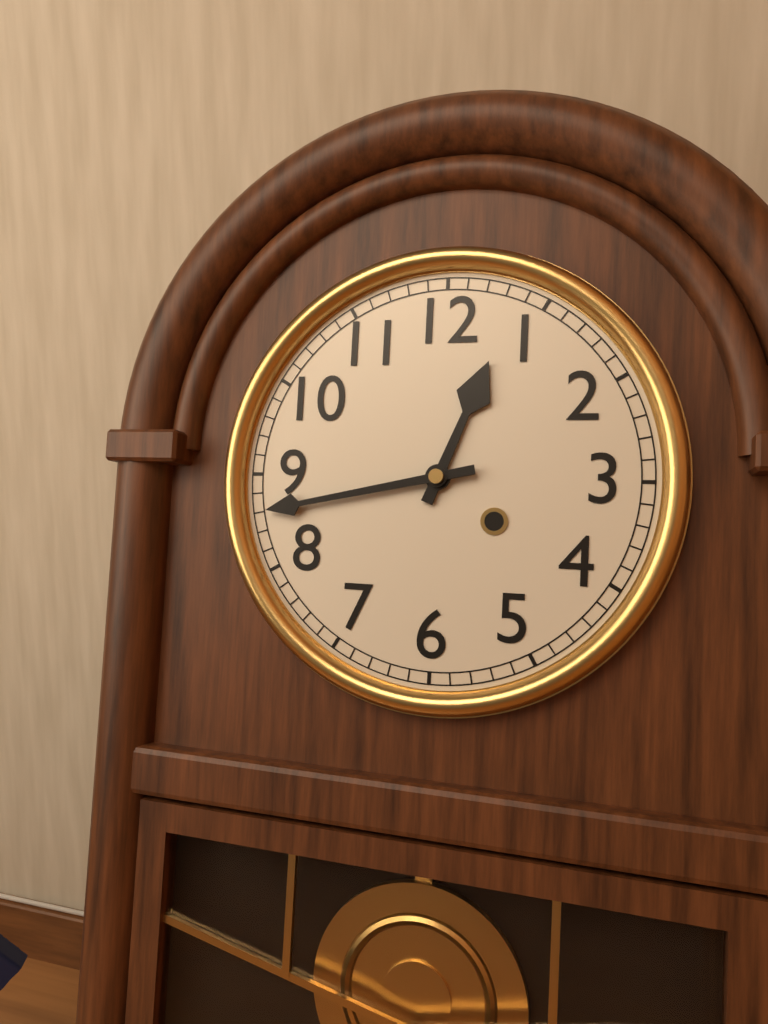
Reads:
12,43
